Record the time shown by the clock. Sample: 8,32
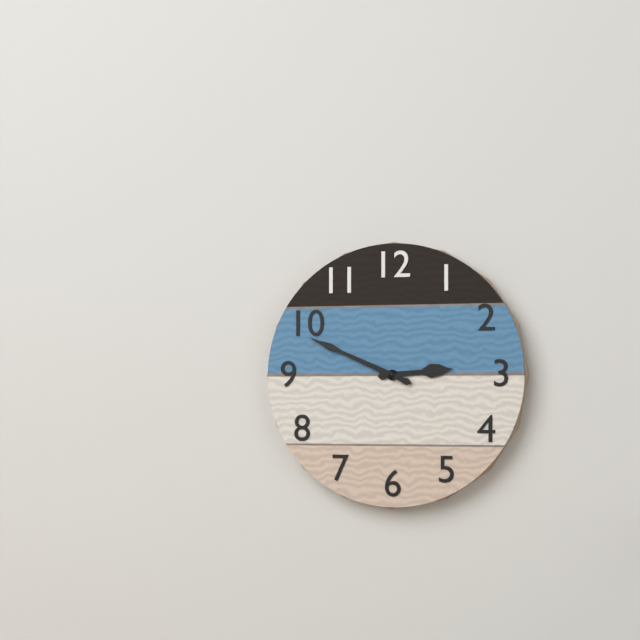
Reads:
2,49
